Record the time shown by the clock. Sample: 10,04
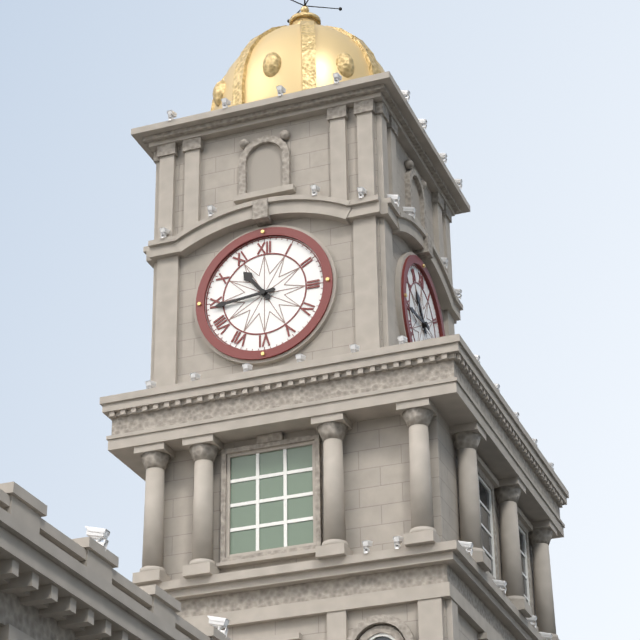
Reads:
10,44
